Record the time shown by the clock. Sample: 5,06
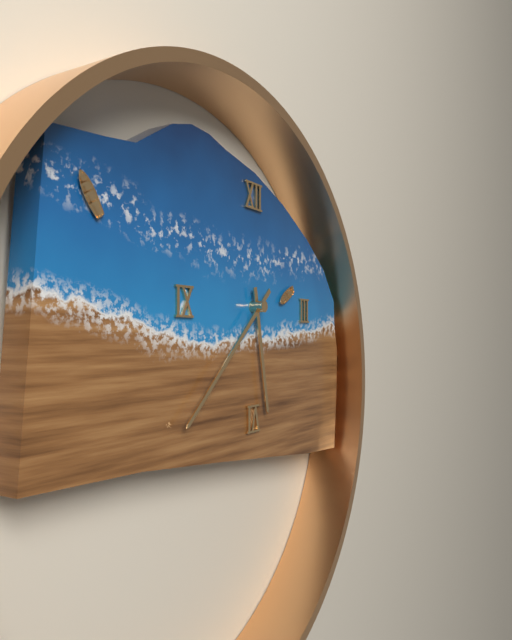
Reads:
5,38
